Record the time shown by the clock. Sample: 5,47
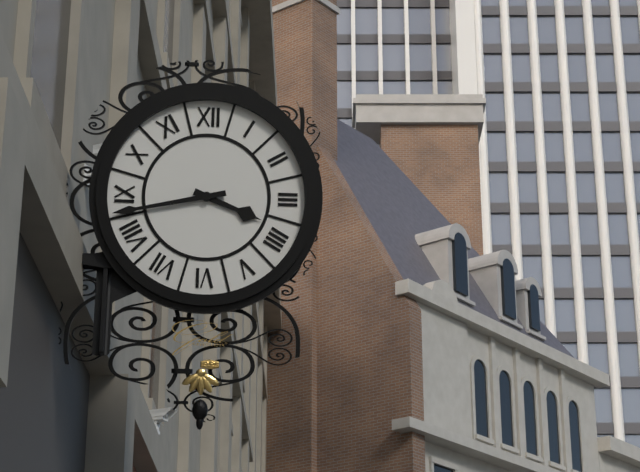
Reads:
3,43
